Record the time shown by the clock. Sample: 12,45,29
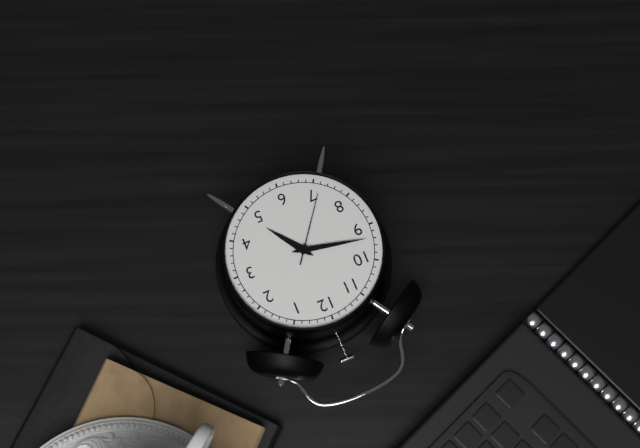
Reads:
4,47,36
